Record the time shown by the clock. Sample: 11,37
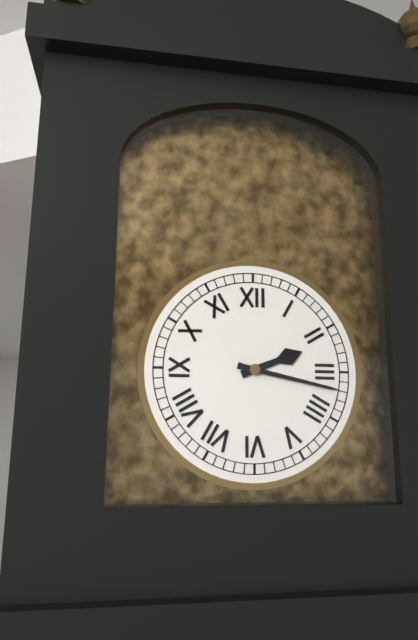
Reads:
2,17
